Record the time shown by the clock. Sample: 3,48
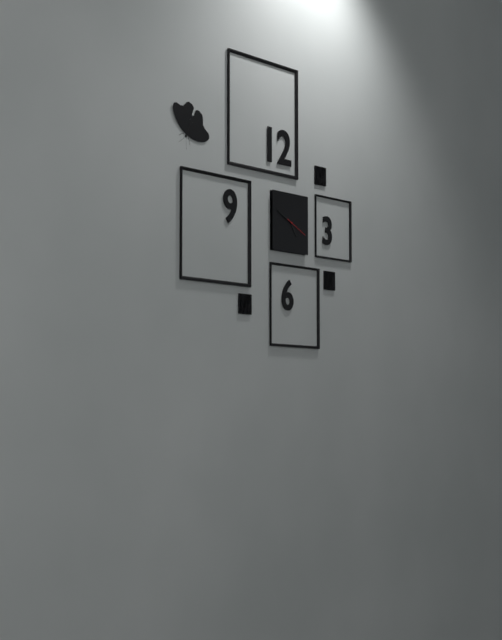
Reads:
4,49
